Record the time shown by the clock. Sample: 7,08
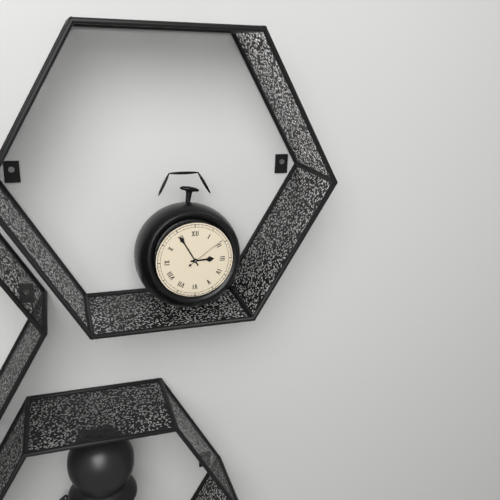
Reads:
2,55
